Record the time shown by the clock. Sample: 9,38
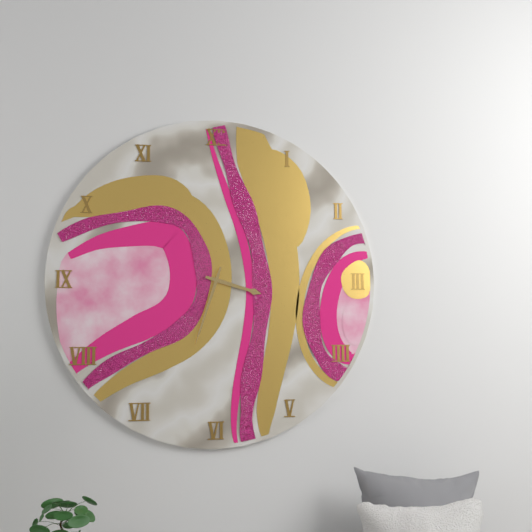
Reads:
3,33
